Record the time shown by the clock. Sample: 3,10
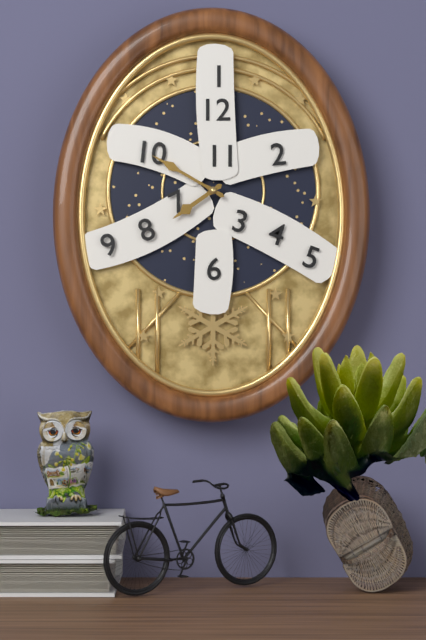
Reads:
7,50
